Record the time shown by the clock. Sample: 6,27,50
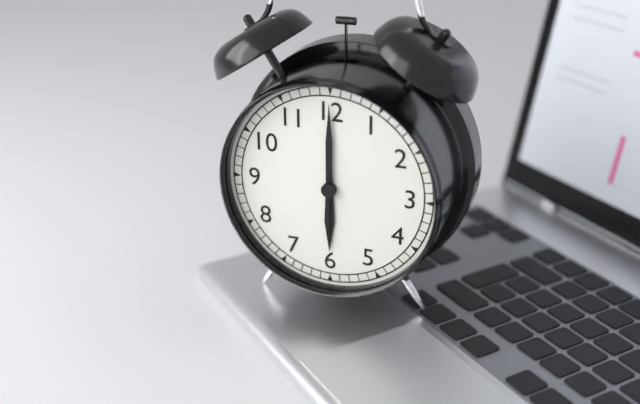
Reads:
6,00,30
